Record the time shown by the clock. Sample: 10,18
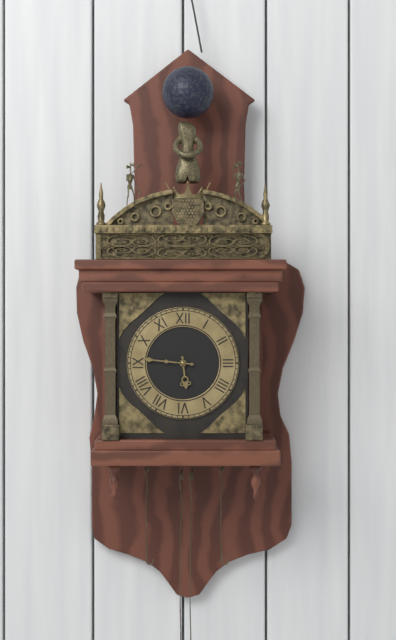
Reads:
5,46
